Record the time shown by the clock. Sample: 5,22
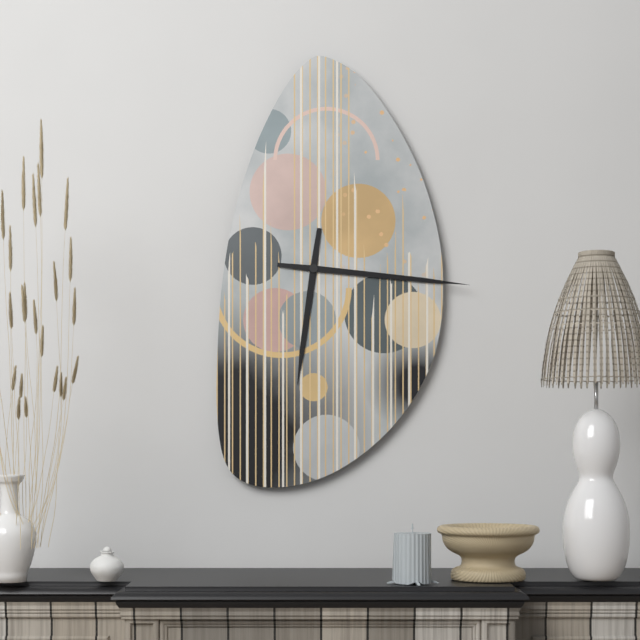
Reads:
6,16
